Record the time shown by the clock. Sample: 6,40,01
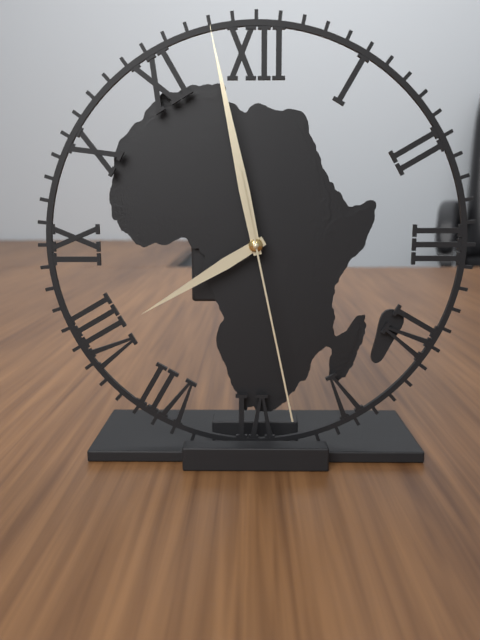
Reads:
7,58,28
